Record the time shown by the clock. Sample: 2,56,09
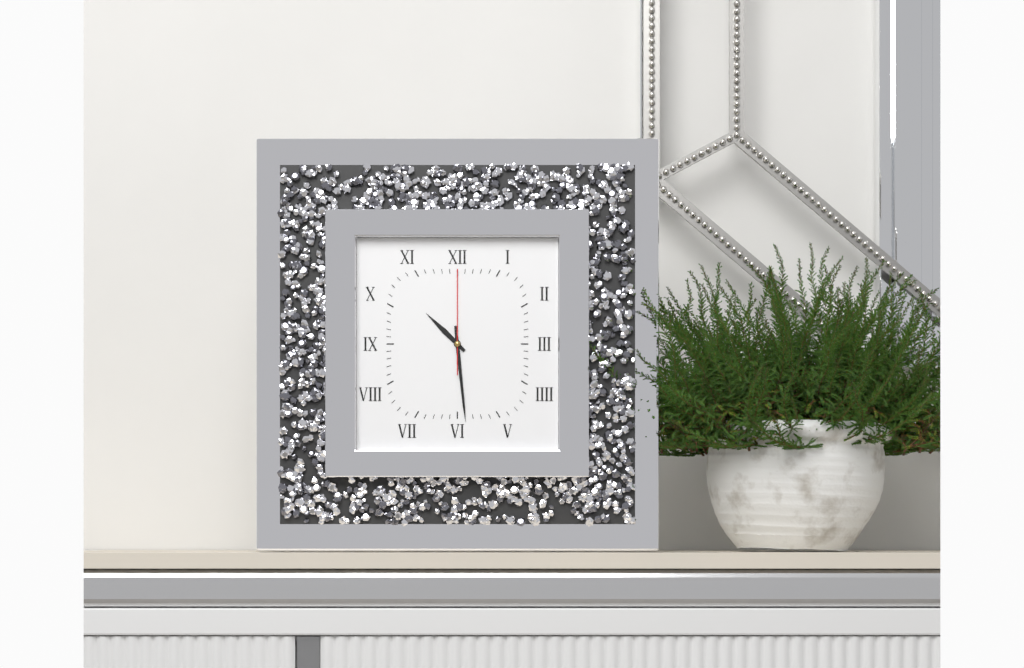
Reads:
10,29,00
